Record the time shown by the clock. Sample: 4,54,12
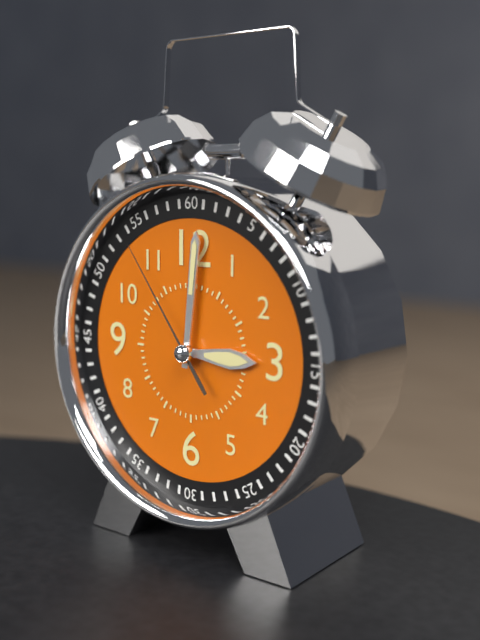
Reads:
3,01,54
